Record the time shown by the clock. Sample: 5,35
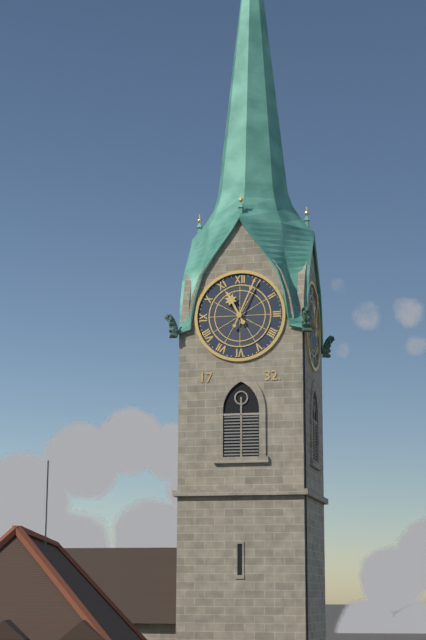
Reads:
11,04
